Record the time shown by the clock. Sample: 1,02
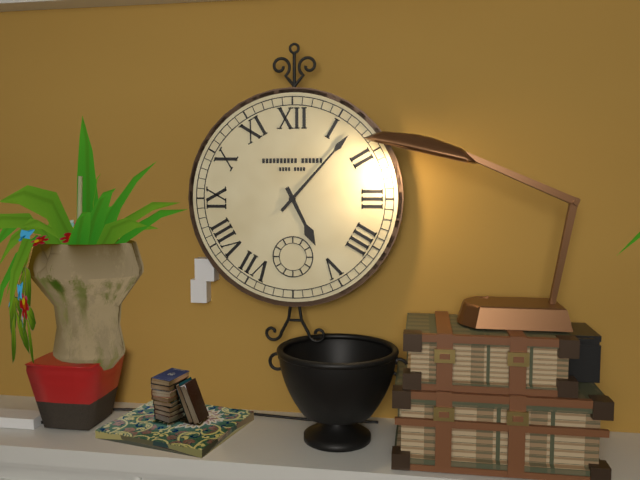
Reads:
5,07
